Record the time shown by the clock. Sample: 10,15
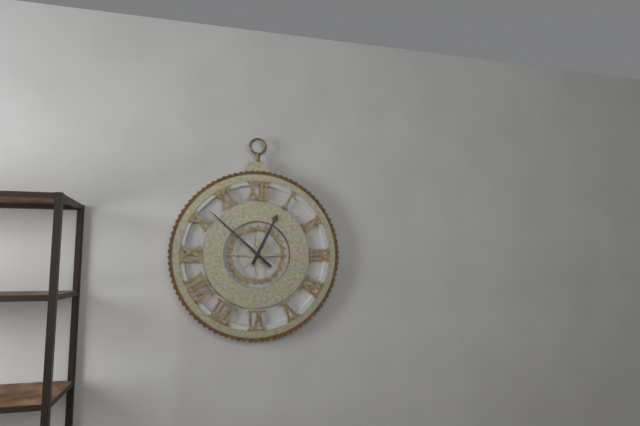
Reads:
12,52
